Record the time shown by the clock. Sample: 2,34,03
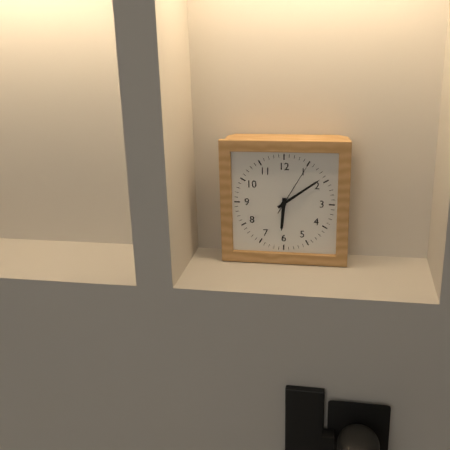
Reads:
6,09,05
